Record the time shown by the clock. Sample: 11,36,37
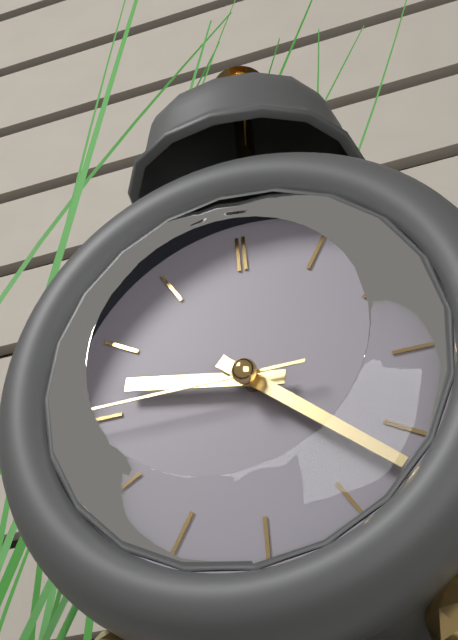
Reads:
9,22,45
